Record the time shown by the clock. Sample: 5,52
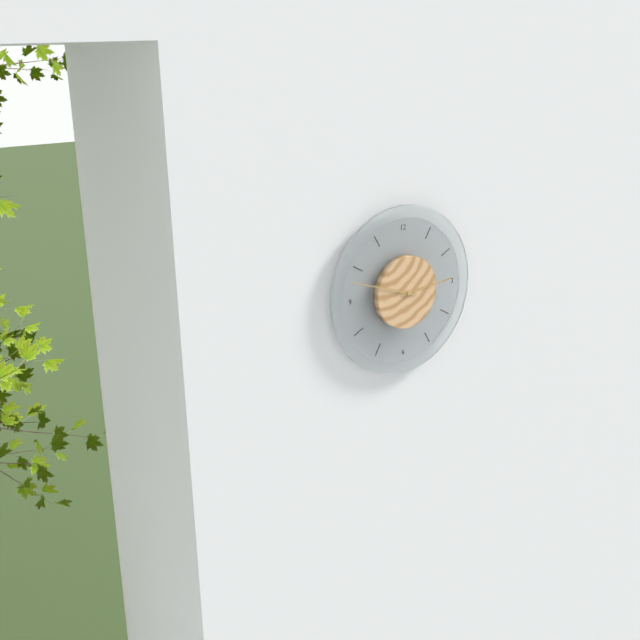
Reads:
2,48
